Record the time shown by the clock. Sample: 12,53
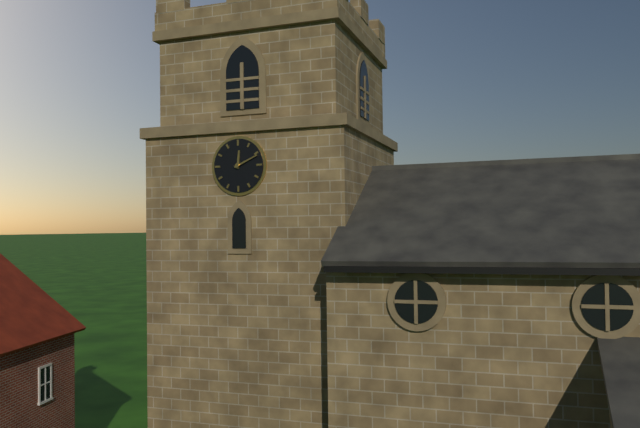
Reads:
12,11
